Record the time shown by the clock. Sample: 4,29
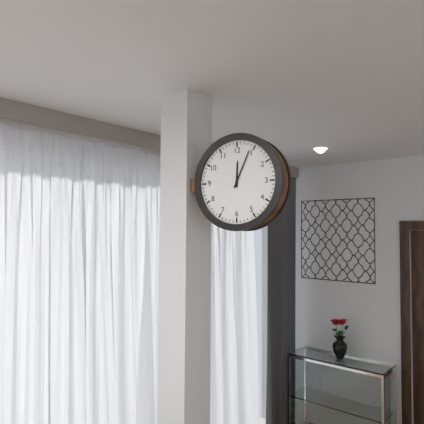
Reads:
12,04
